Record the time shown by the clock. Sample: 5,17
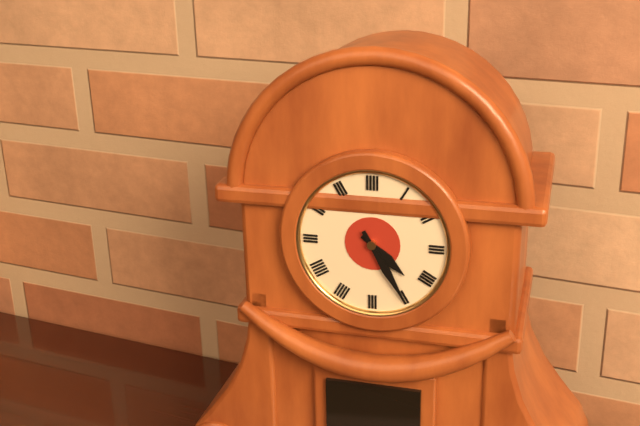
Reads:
4,25
